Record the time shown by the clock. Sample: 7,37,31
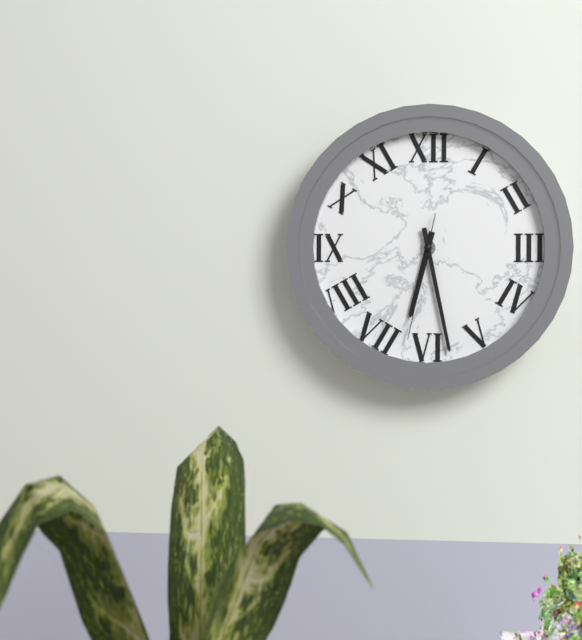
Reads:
6,28,32
